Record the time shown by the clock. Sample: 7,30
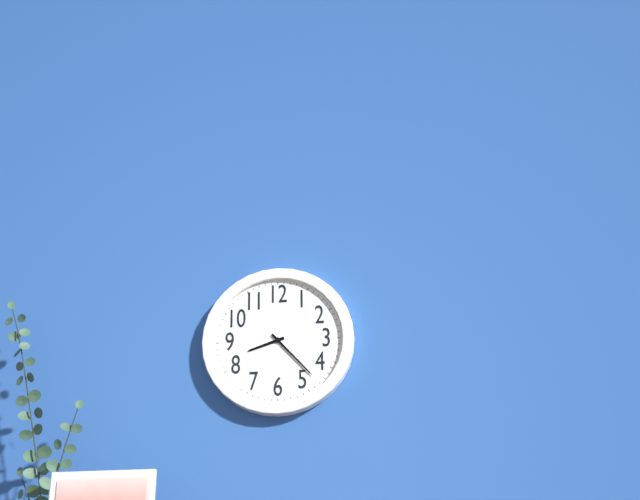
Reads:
8,23
